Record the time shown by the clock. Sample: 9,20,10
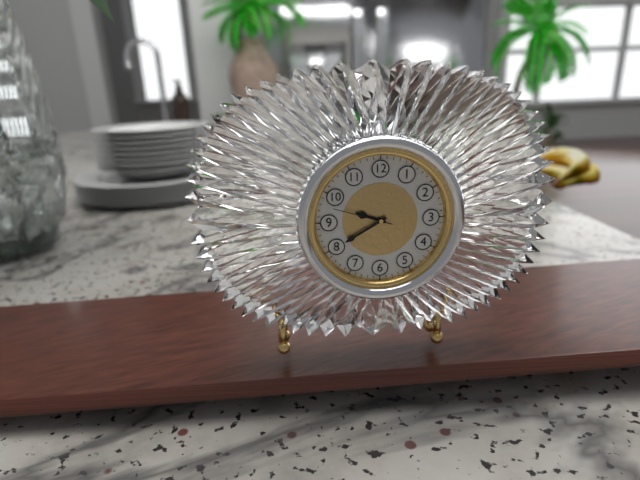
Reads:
9,40,48
